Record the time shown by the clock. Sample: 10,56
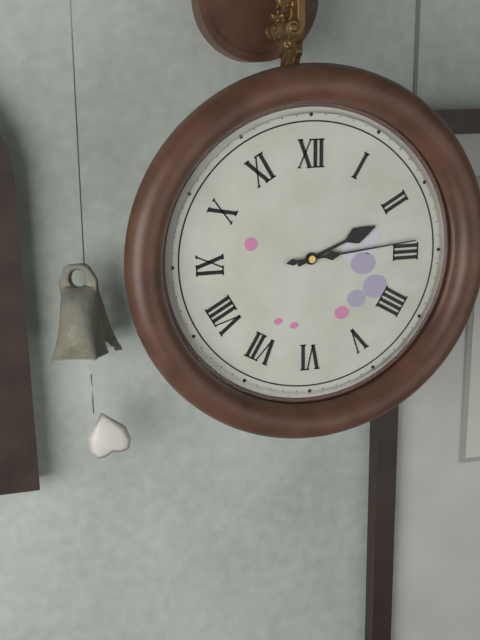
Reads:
2,14
